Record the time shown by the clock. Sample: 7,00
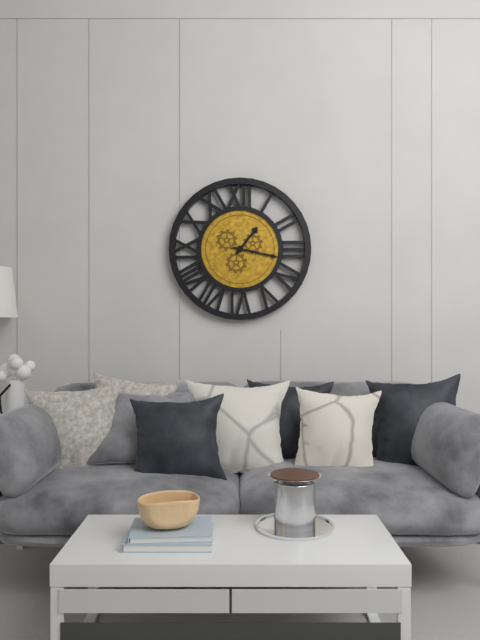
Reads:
1,17
